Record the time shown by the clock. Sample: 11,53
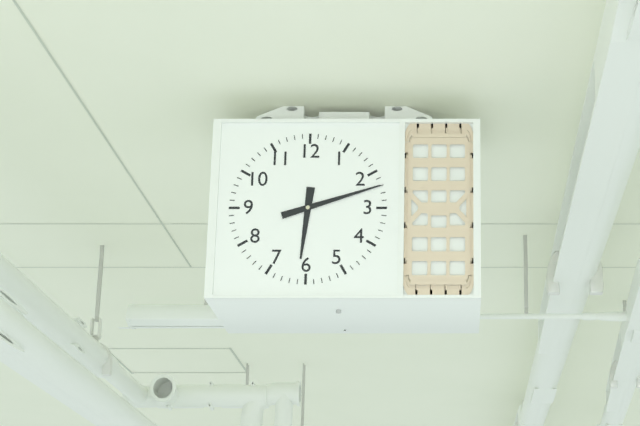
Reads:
6,12
